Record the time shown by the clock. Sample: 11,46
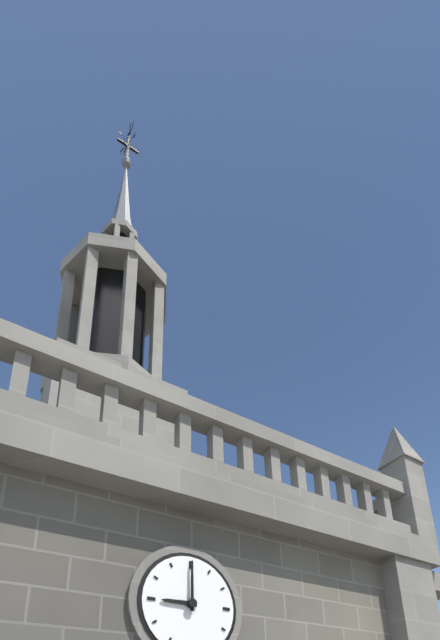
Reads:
9,00
